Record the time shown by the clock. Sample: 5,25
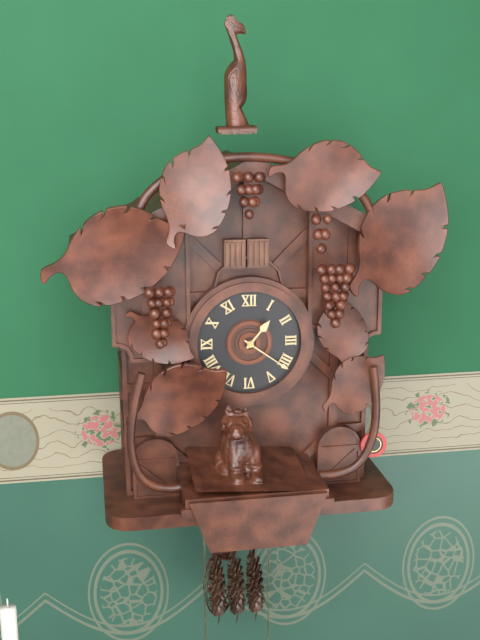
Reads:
1,21
